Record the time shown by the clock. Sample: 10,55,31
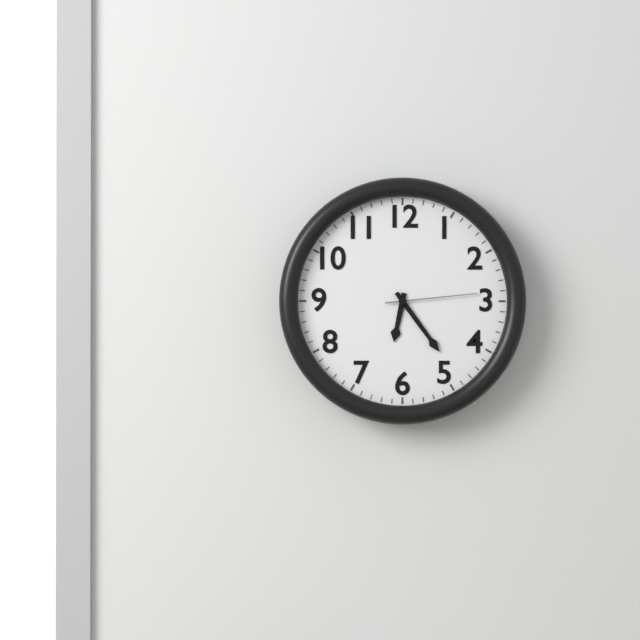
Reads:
6,24,14
